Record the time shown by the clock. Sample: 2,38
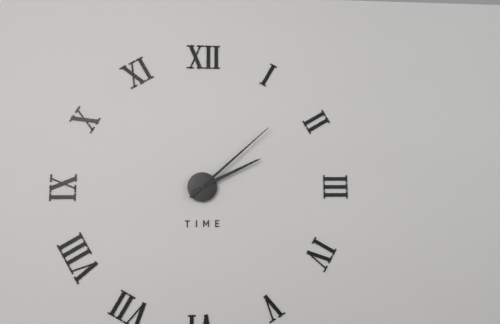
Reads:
2,08
